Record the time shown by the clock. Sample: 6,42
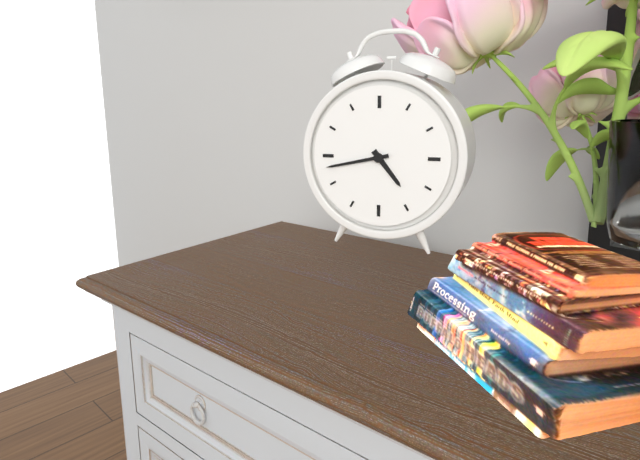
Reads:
4,43
